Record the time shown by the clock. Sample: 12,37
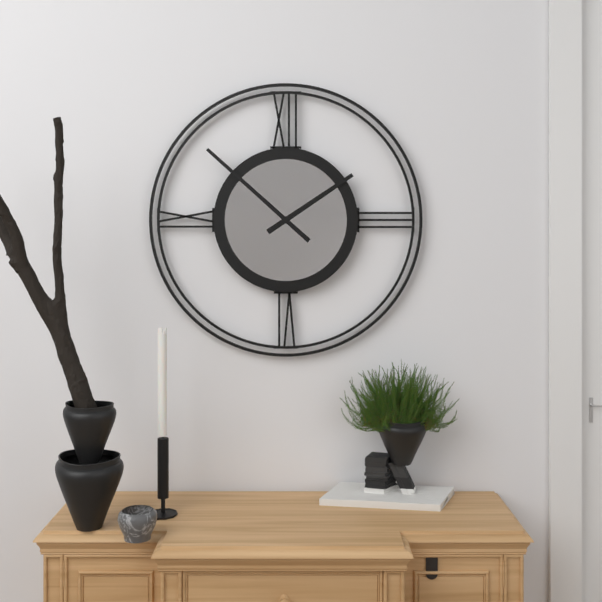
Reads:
1,52
